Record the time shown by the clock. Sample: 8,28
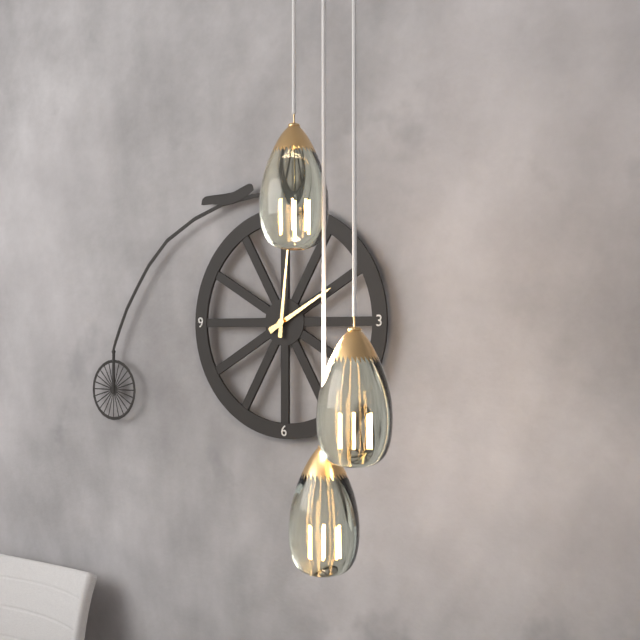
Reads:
2,01
